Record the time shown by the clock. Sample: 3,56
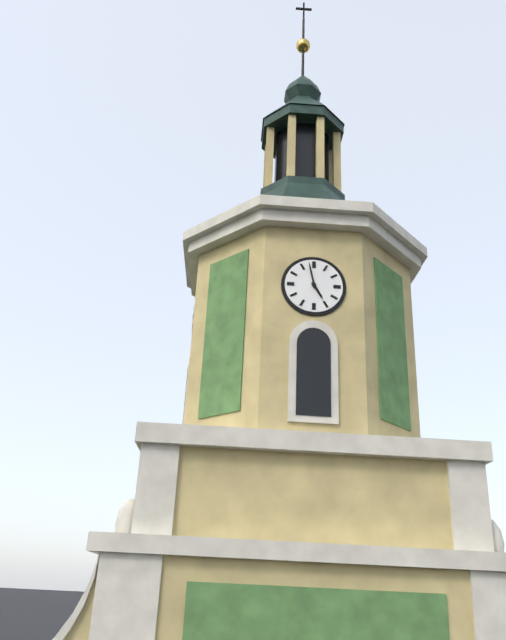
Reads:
4,58
